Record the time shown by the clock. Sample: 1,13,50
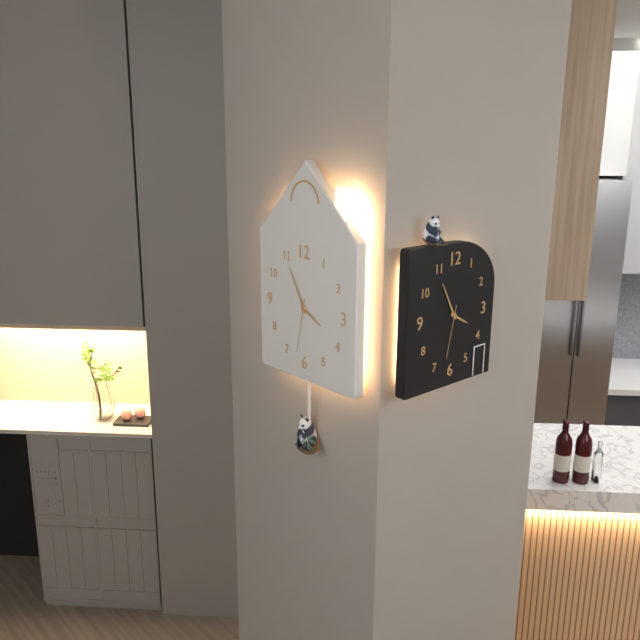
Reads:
3,55,32
